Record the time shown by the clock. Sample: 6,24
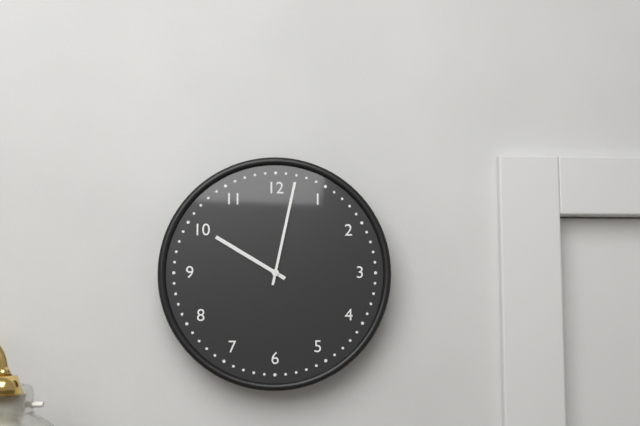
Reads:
10,02
